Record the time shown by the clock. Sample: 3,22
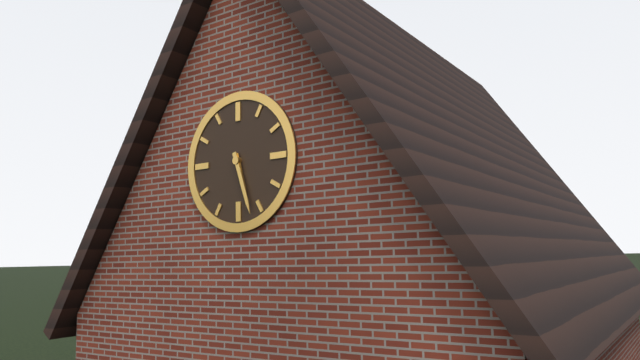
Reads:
5,27
